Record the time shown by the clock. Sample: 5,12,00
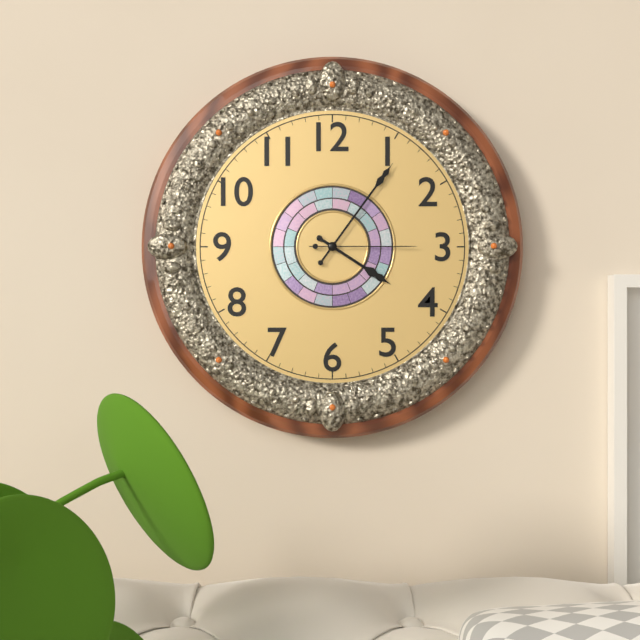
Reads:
4,06,15
